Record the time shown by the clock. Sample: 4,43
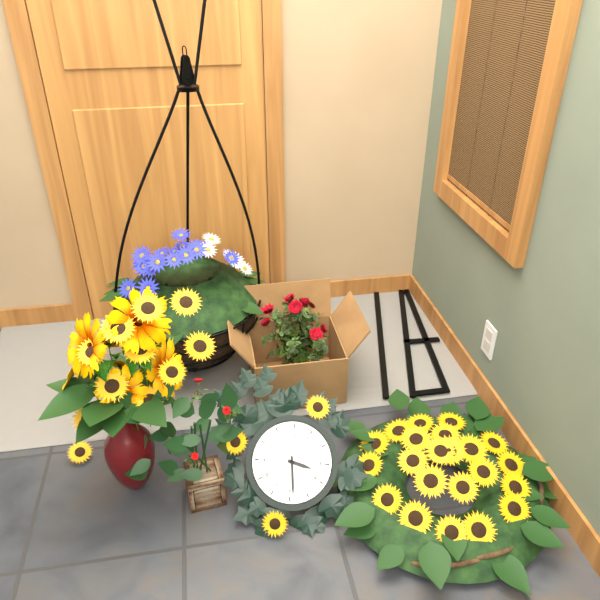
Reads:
3,29
